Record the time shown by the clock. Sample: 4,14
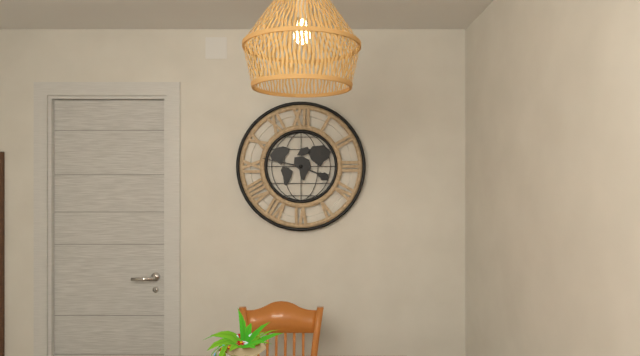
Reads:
3,47
